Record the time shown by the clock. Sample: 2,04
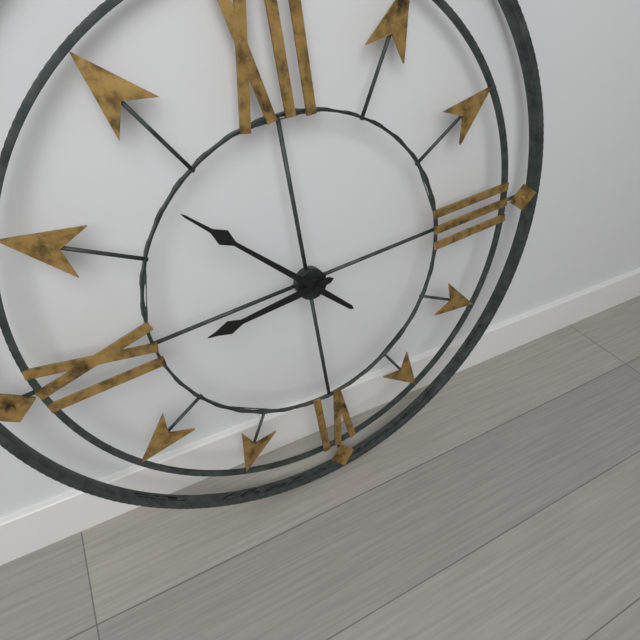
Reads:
8,53
